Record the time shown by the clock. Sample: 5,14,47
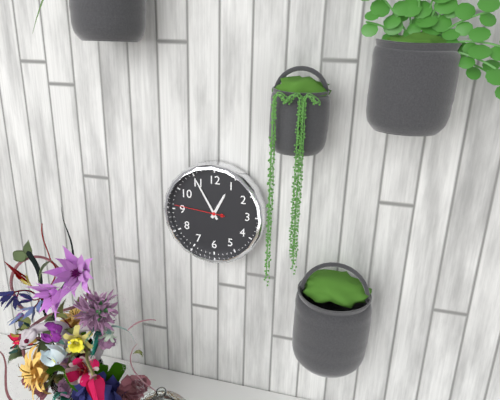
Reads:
12,55,46
